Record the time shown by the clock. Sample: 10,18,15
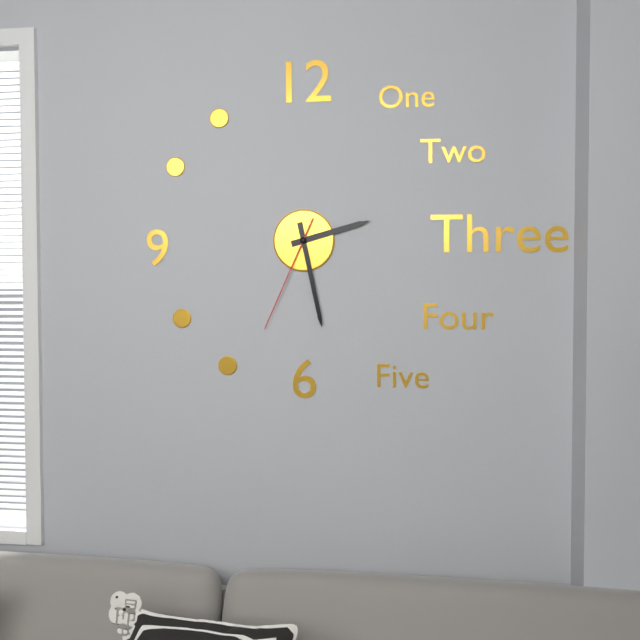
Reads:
2,28,34
